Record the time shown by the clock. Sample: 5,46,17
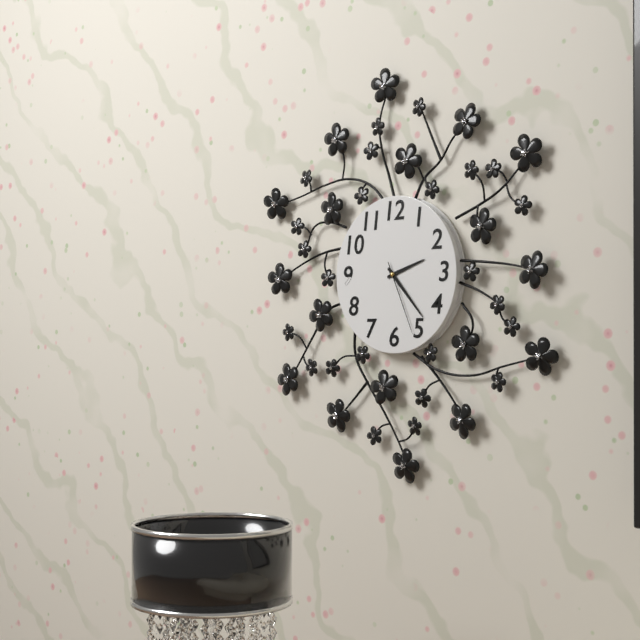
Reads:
2,23,26
